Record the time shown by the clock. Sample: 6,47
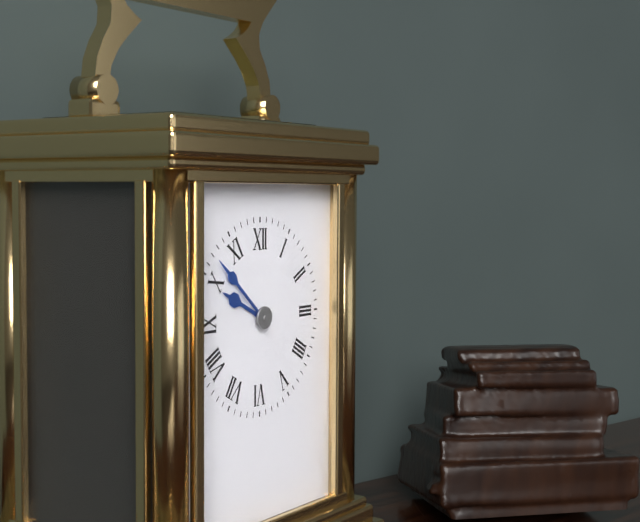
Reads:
9,52
